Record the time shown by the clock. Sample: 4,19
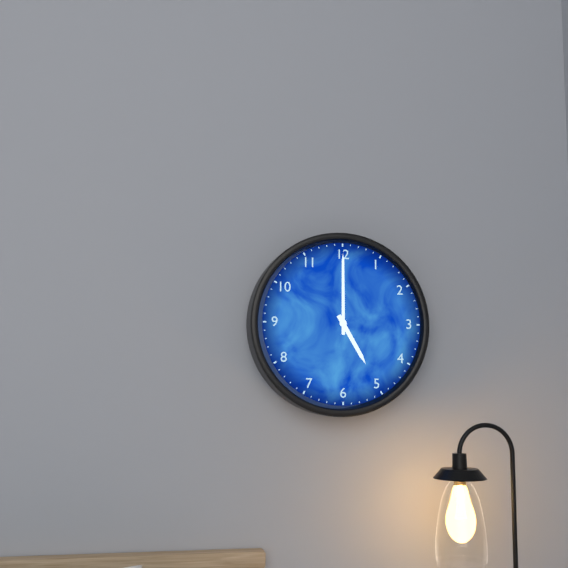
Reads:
5,00
